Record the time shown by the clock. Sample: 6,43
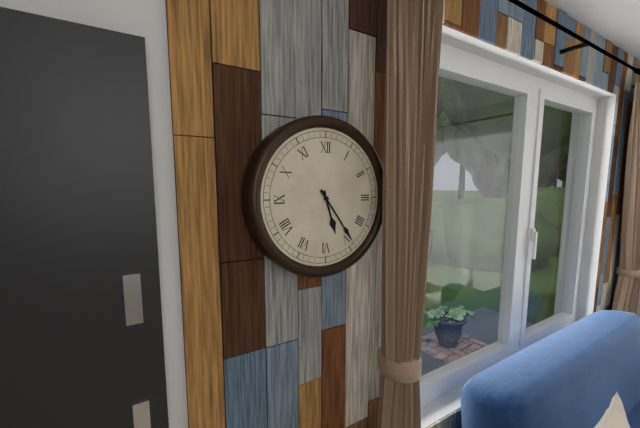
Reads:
5,24
